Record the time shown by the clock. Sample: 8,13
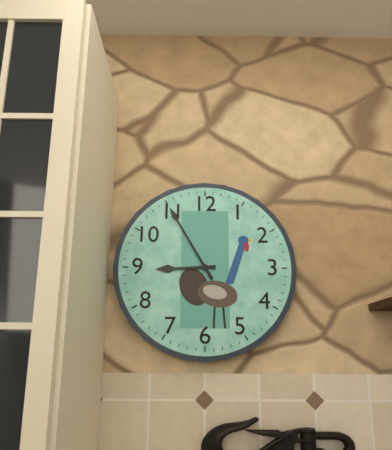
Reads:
8,55
